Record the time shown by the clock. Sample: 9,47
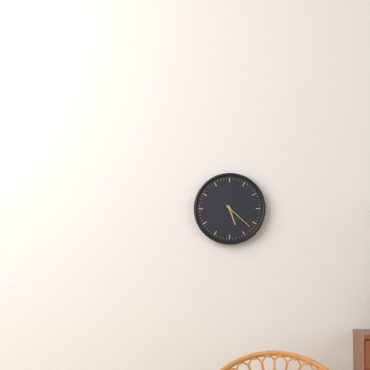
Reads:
5,22
